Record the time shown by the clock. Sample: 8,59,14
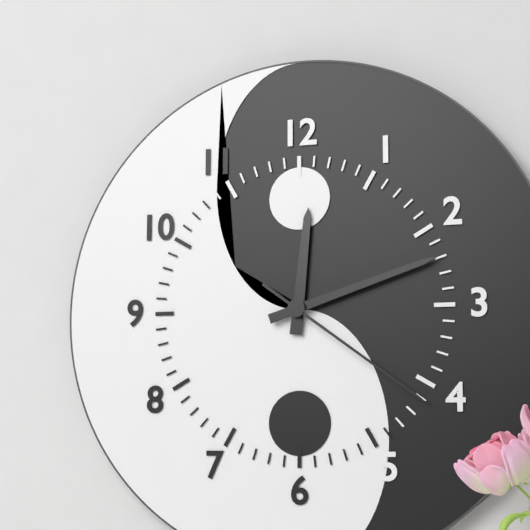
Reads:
12,12,21
